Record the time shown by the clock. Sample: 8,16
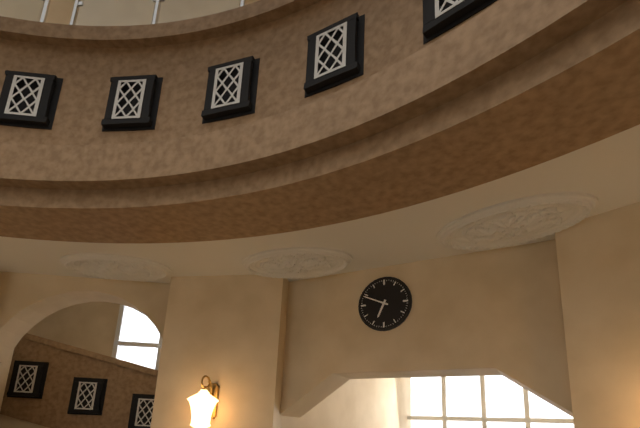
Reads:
6,49
